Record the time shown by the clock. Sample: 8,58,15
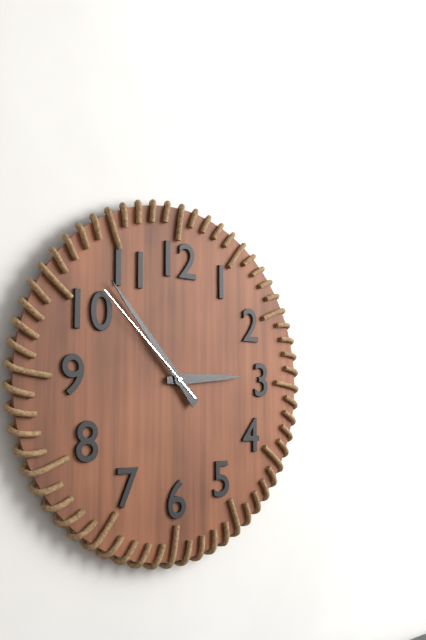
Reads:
2,53,52
